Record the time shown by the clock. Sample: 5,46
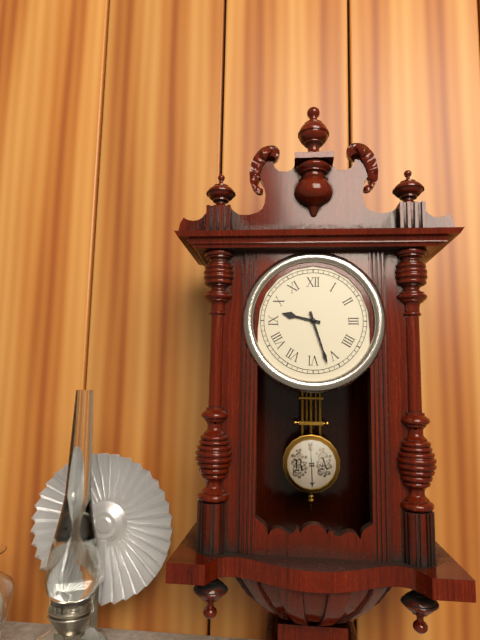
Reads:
9,27
